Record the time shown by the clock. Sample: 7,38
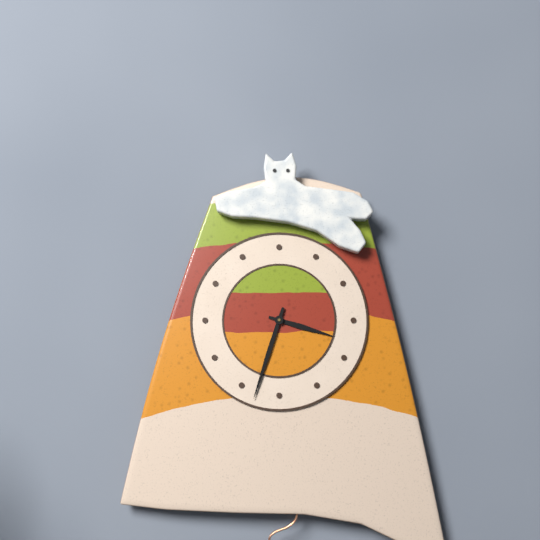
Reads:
3,33
